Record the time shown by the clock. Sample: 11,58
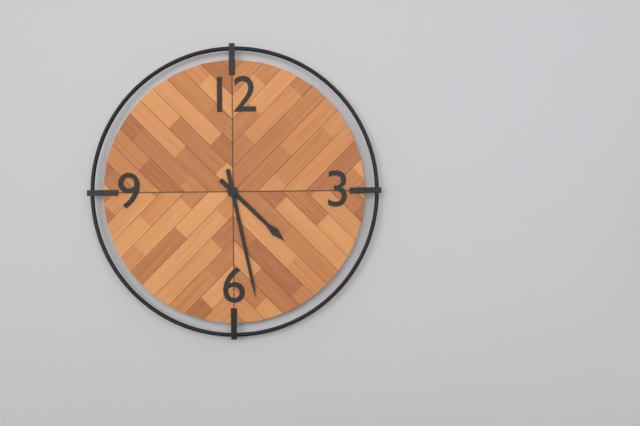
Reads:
4,28
